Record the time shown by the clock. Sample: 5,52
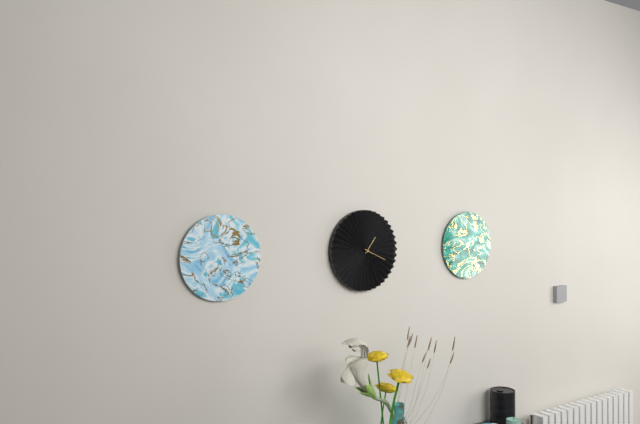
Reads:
1,19
